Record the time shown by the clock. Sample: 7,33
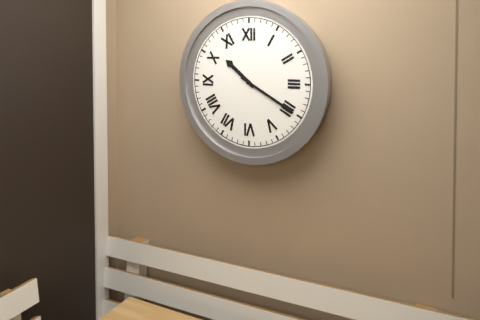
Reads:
10,20
